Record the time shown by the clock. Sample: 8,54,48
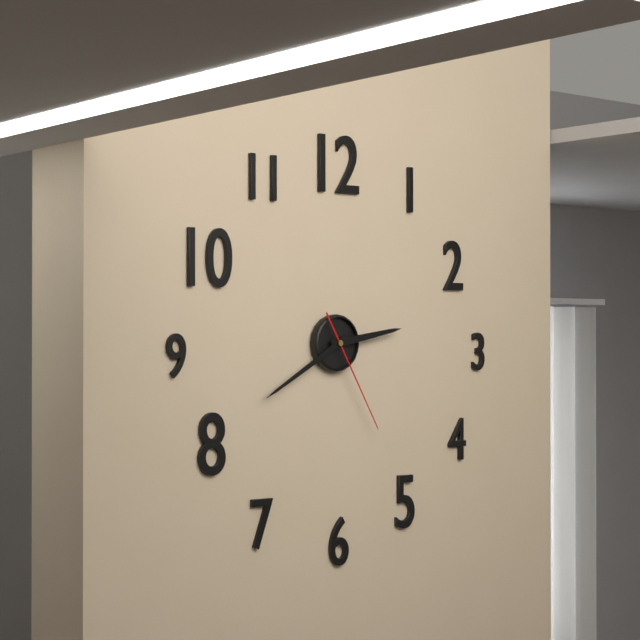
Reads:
2,40,25
